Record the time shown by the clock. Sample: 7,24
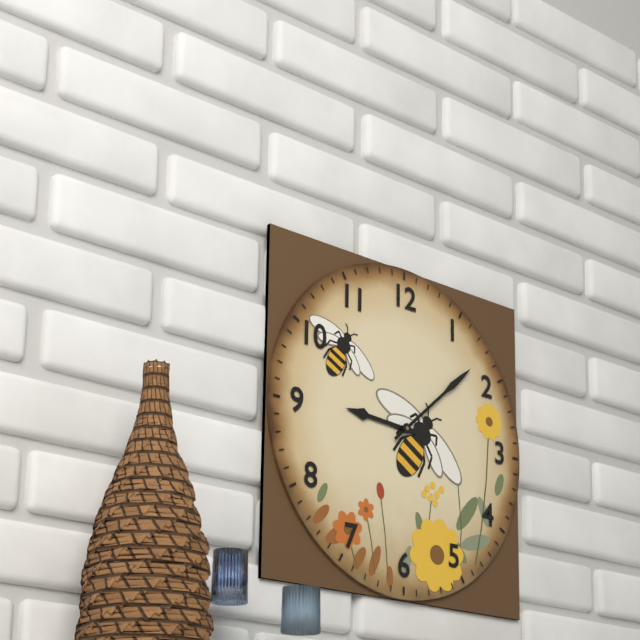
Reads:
9,08
